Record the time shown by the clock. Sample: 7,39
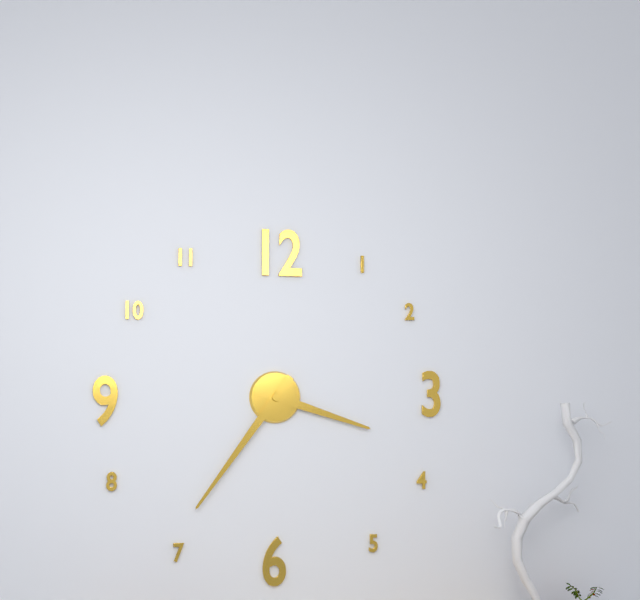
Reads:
3,36
